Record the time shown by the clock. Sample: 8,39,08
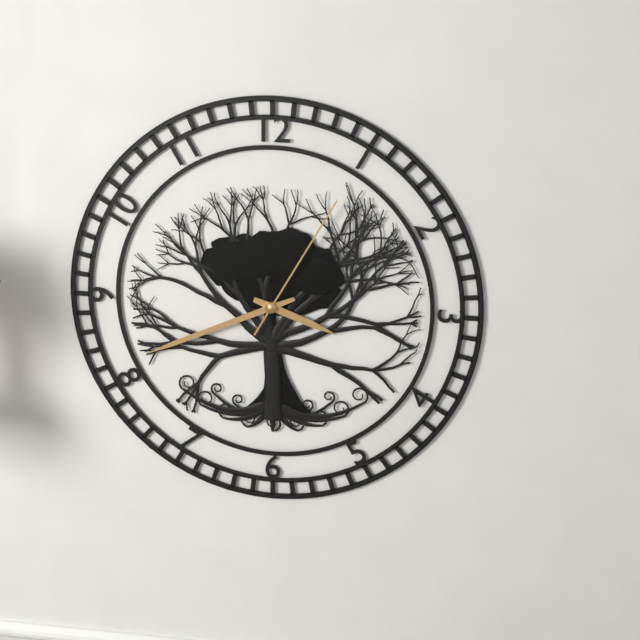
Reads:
3,41,05
